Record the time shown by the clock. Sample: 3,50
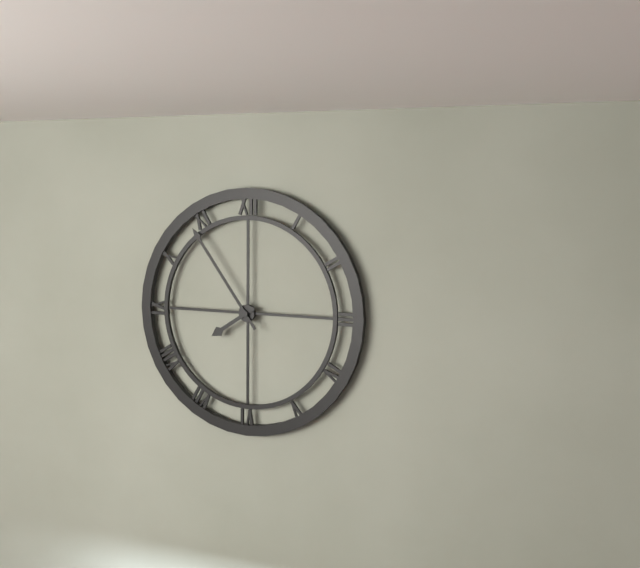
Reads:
7,54
